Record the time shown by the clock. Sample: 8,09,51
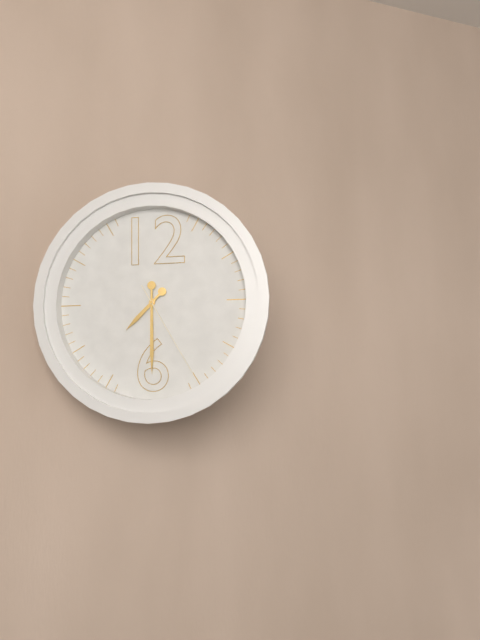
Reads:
7,30,25
